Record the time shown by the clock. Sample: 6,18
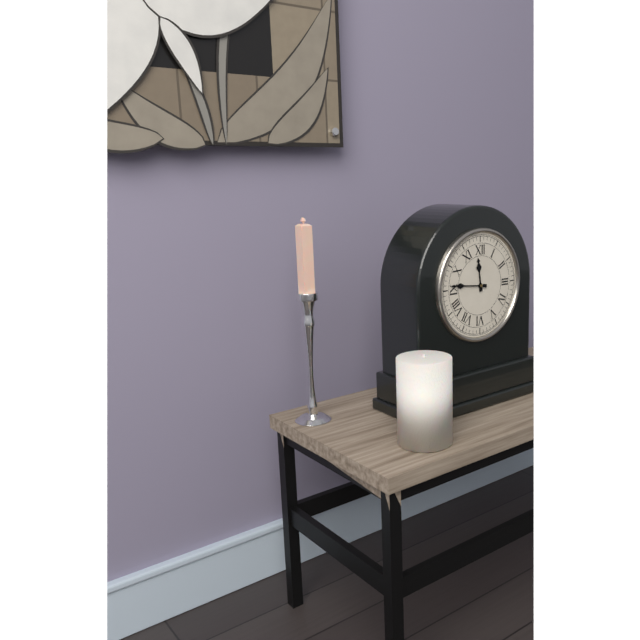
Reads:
11,46
